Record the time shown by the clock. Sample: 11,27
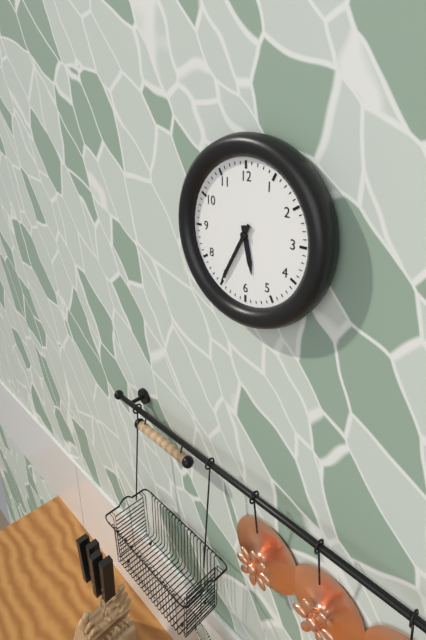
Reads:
5,35
